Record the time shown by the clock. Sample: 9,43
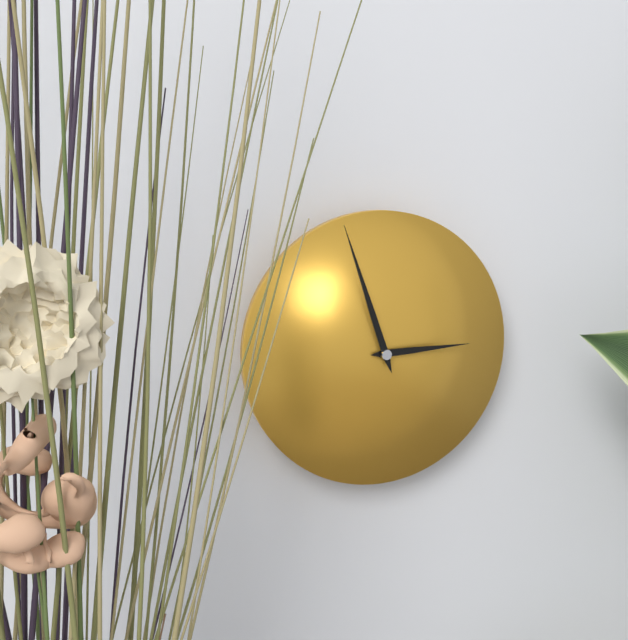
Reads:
2,57
